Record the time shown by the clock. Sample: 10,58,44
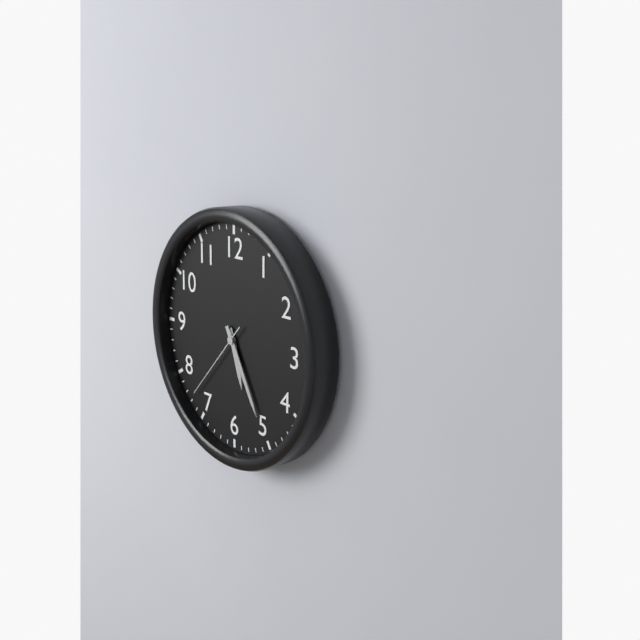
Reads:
5,25,37
